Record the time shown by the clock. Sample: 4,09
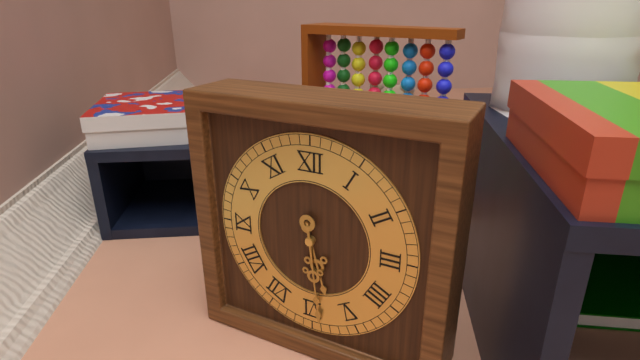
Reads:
5,29
